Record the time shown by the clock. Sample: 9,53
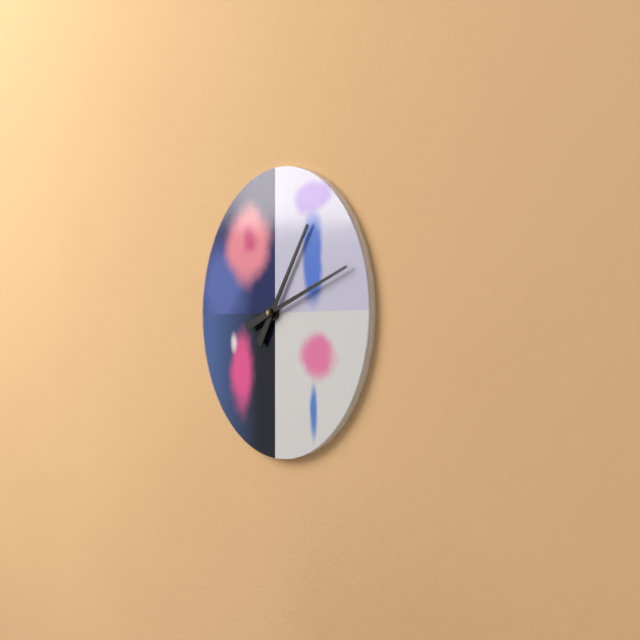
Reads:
1,12
